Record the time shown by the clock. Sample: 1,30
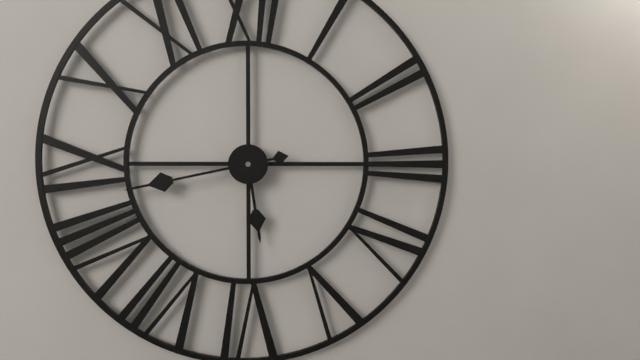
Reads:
5,43
